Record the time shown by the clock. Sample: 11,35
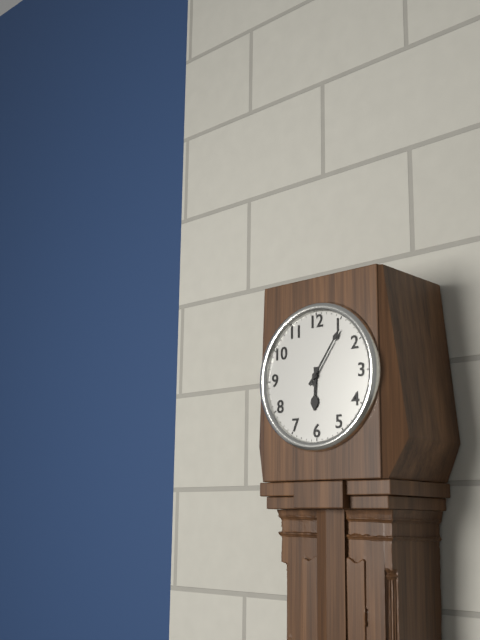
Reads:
6,06
